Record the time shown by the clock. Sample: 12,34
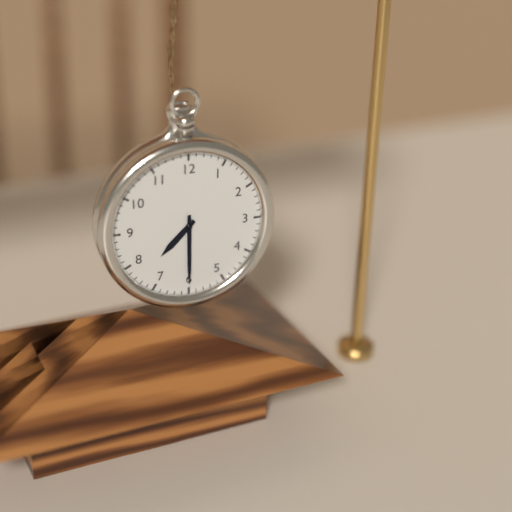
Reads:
7,30
